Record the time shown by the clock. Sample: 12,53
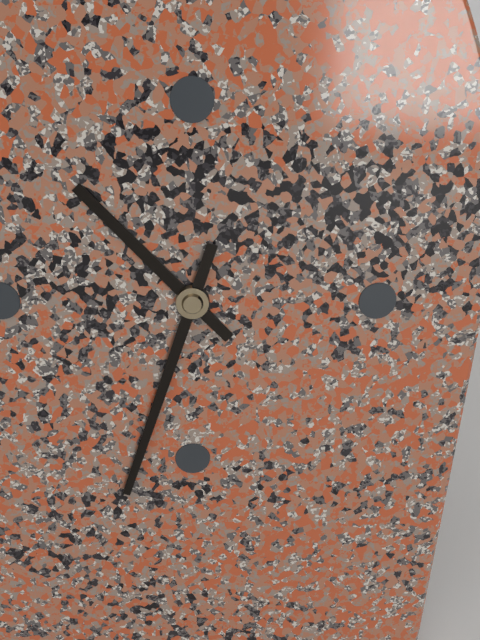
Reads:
10,33
